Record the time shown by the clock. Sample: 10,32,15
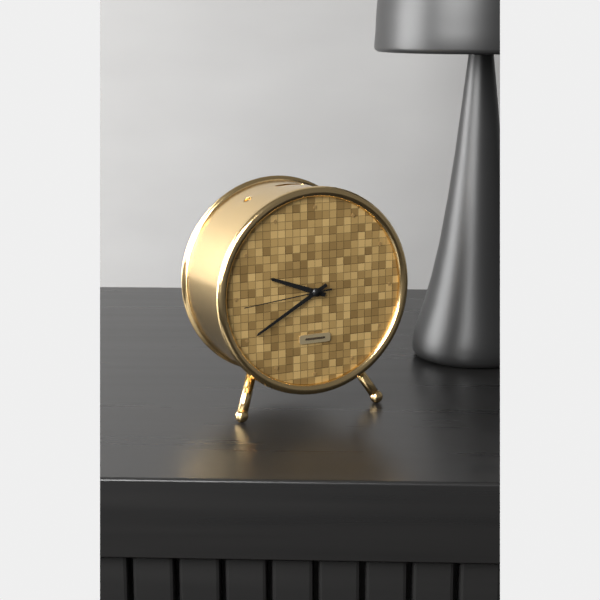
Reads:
9,40,44
